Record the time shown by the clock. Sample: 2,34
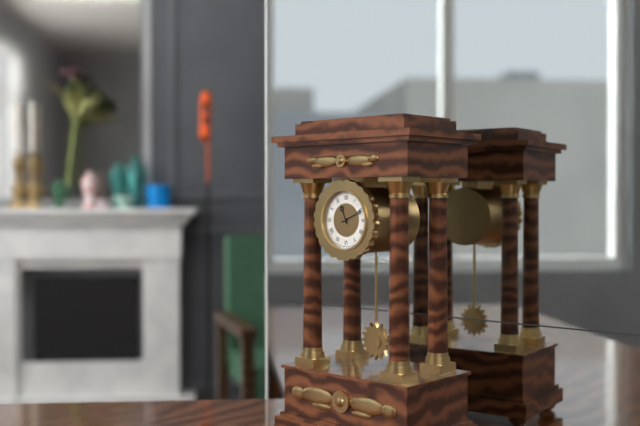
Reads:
11,11
